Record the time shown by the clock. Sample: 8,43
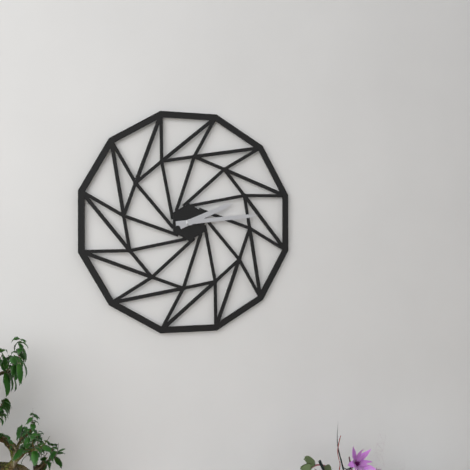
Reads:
2,14
